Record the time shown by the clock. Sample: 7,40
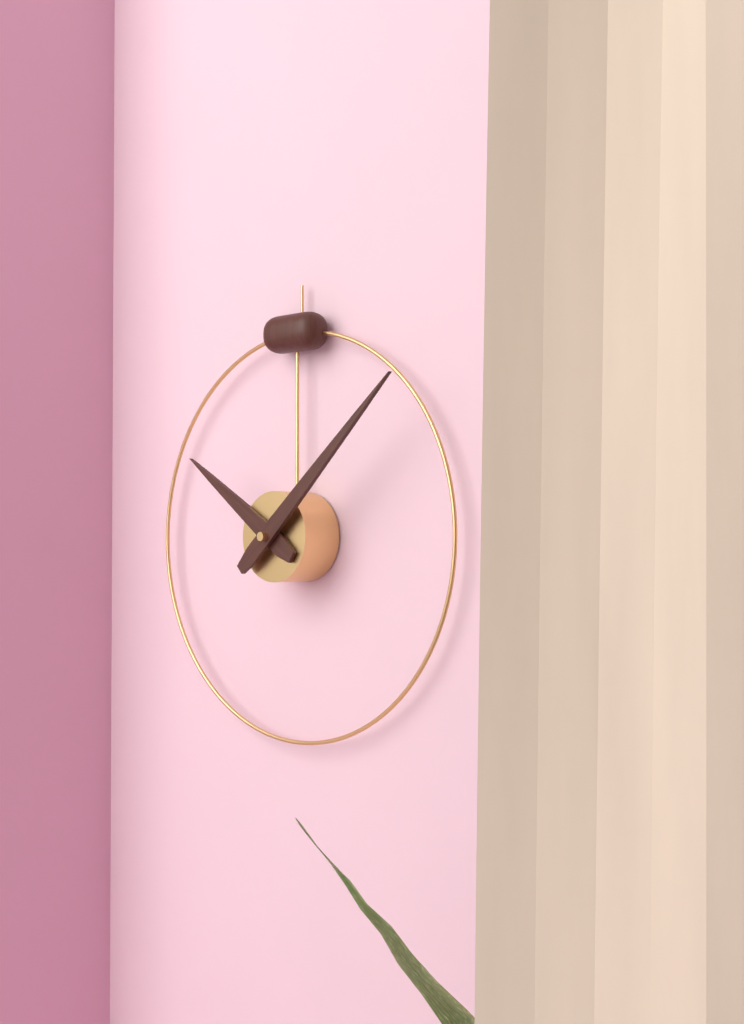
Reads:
10,08
